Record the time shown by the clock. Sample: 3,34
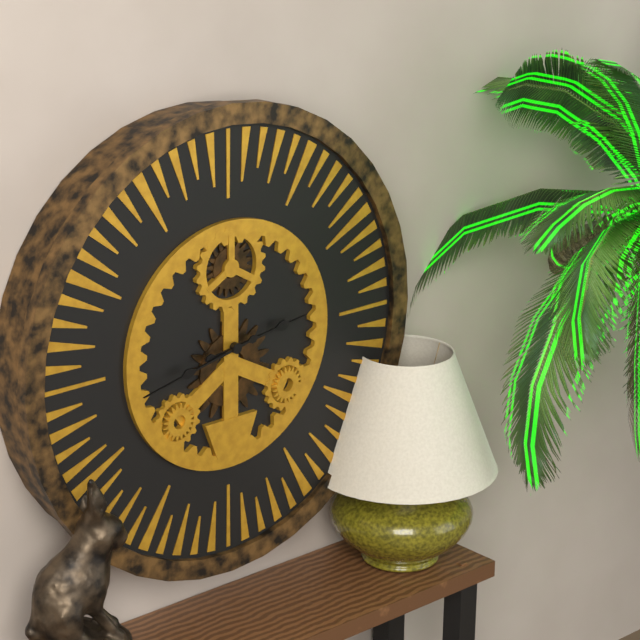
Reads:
2,43
